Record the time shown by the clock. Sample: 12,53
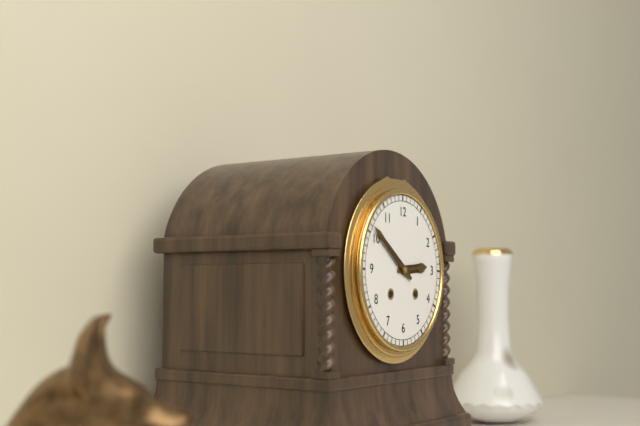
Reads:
2,51
